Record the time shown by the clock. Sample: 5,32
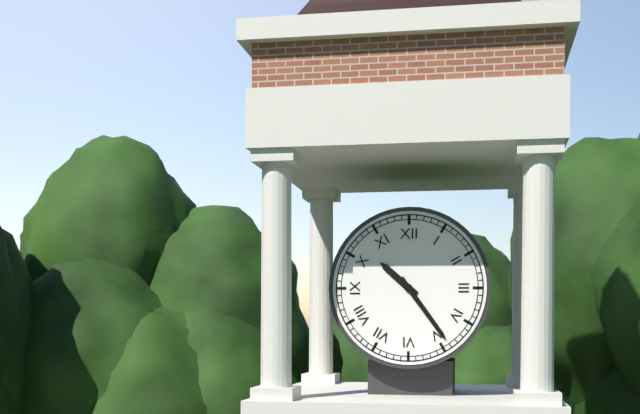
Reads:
10,24
